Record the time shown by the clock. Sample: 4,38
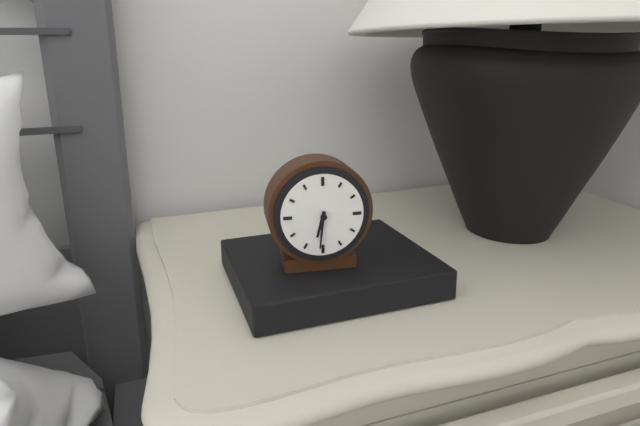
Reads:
6,31
